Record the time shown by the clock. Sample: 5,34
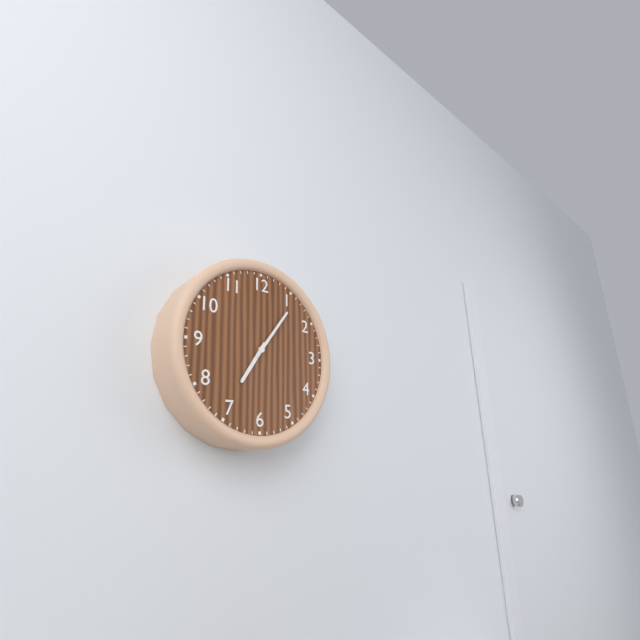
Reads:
7,06
